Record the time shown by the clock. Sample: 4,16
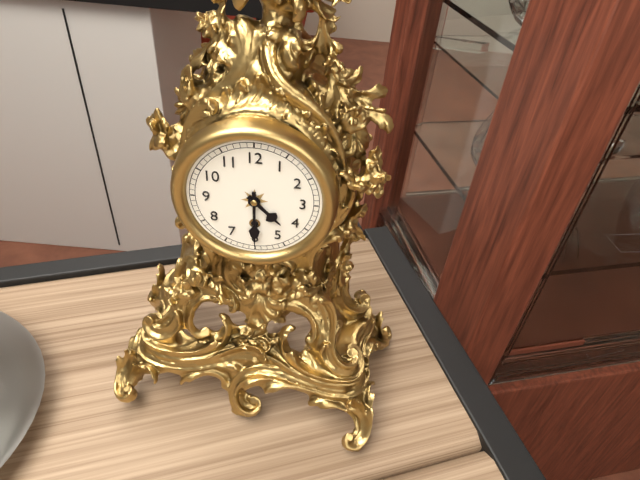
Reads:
4,30
